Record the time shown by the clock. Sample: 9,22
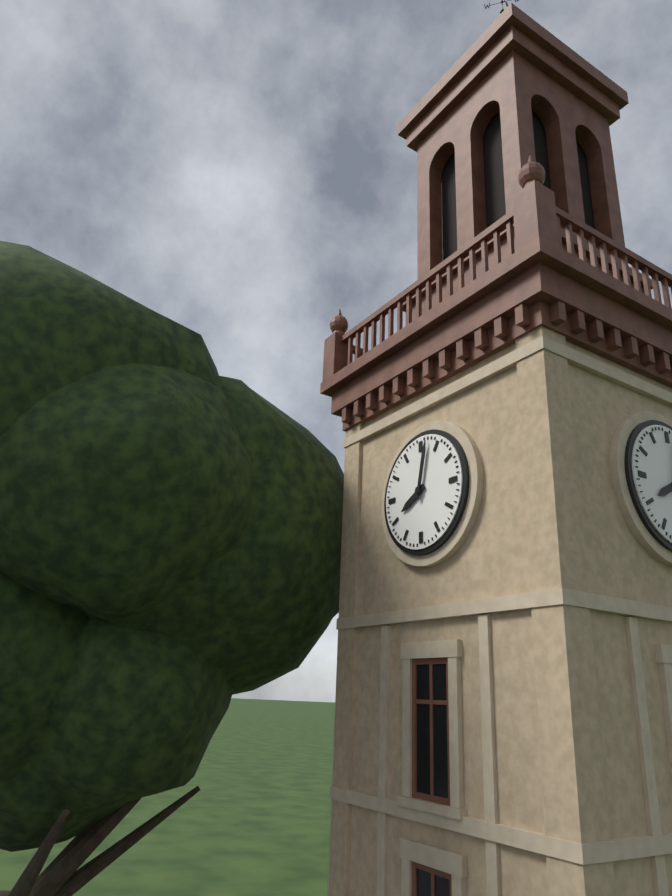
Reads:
8,02
